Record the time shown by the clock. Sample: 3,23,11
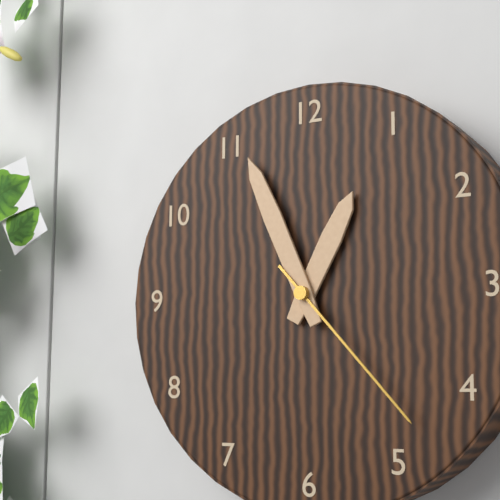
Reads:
12,56,23
